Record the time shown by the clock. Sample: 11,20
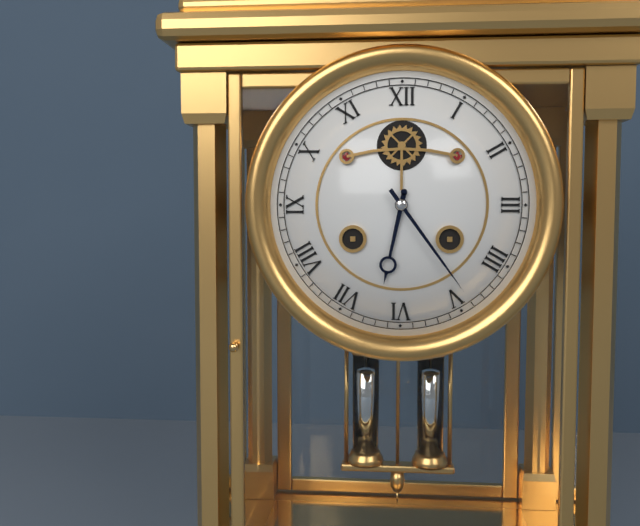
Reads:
6,24
